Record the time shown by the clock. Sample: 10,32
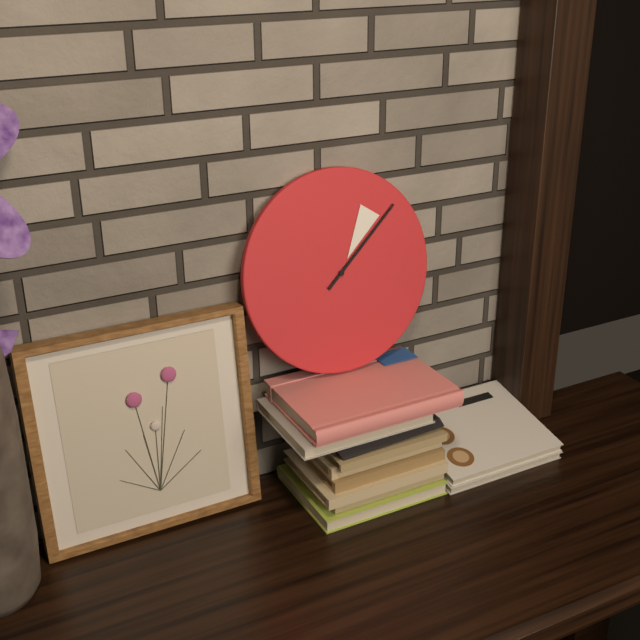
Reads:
1,08
